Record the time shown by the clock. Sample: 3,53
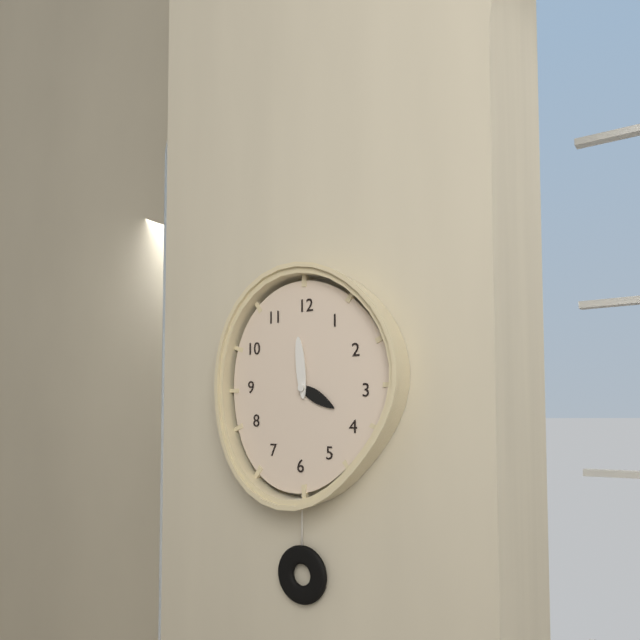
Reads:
3,59
